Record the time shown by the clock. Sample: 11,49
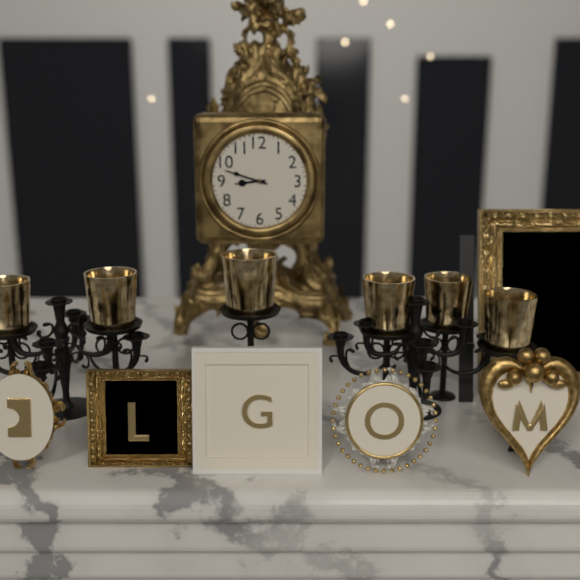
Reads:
8,48
